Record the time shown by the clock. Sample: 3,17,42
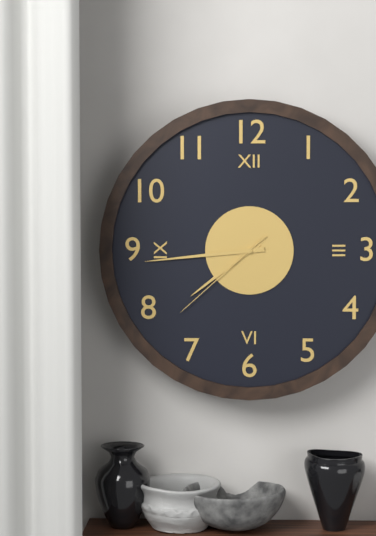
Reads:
7,44,38
